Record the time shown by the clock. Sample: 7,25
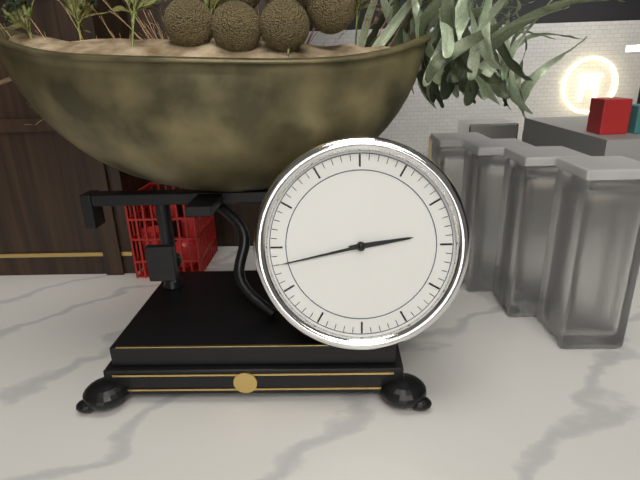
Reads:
2,43
